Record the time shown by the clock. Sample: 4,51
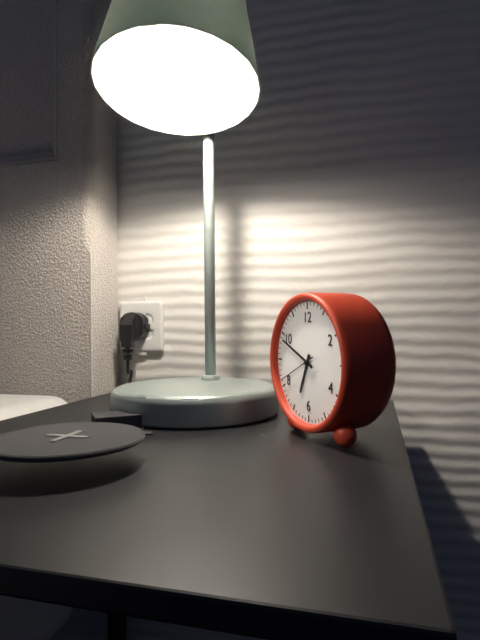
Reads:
6,49
